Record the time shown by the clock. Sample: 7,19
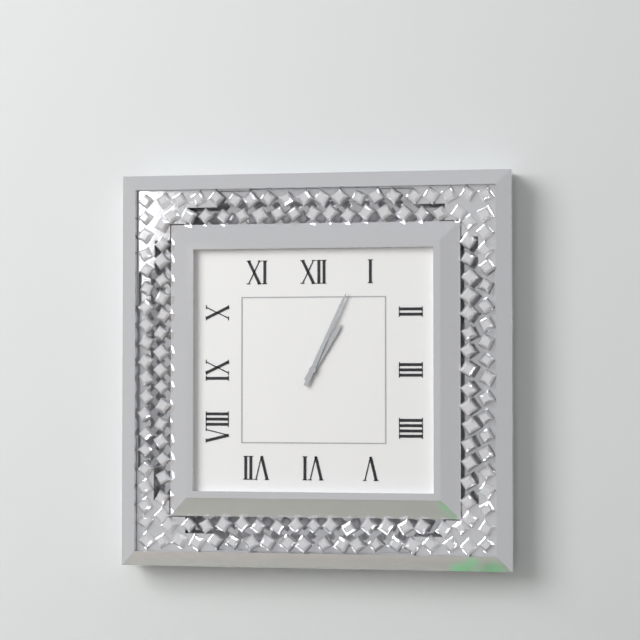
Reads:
1,04
